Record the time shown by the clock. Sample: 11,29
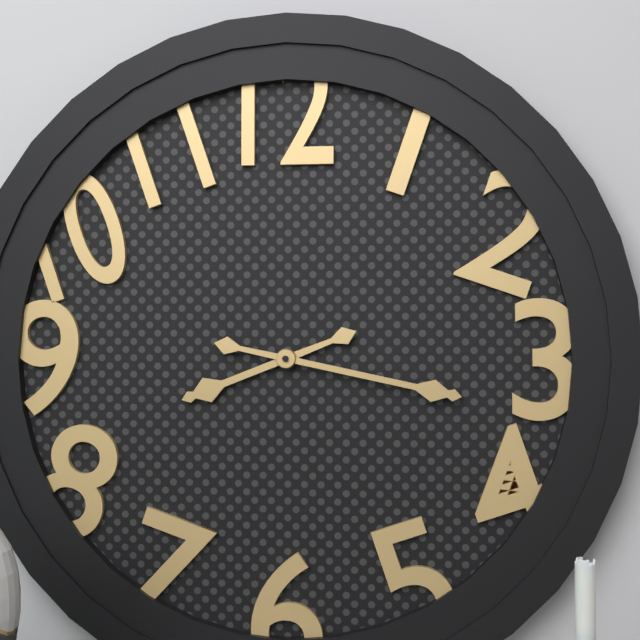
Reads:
8,17
